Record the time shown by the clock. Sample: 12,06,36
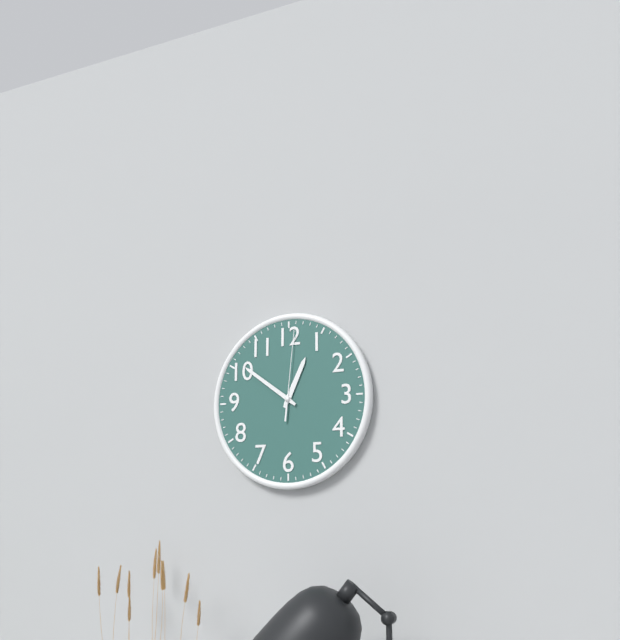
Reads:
12,51,01
